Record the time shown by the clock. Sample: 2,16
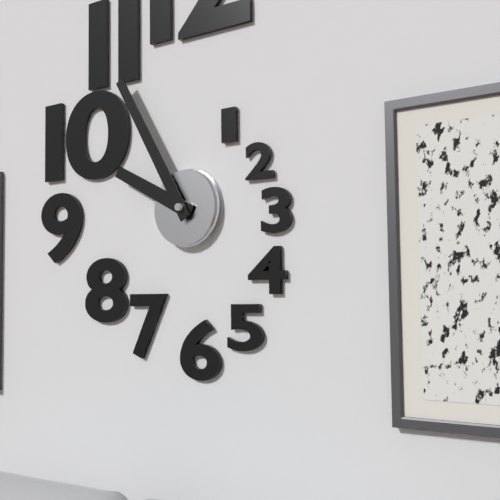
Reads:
9,55
